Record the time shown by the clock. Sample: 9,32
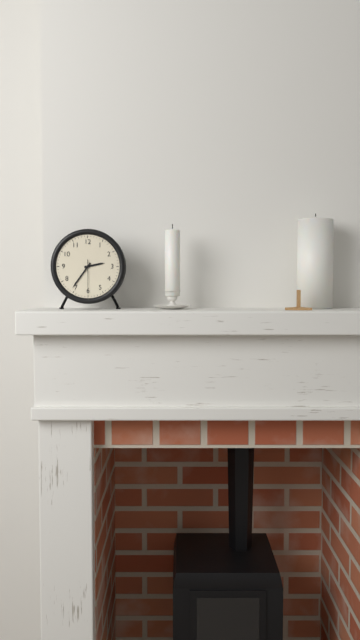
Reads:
2,36
